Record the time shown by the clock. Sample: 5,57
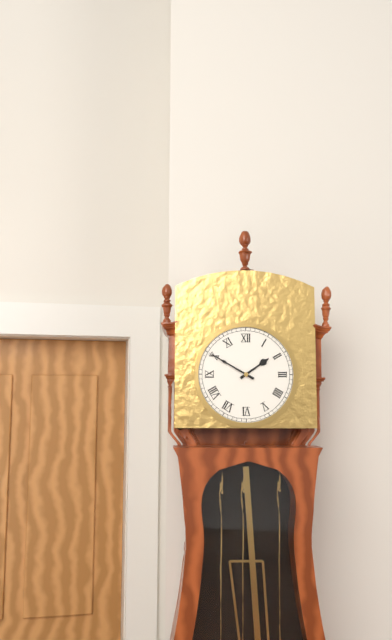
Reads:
1,50
